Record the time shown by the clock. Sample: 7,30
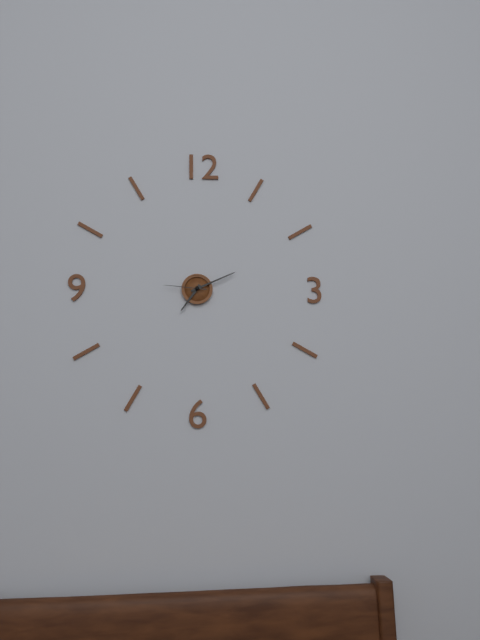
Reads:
7,11
